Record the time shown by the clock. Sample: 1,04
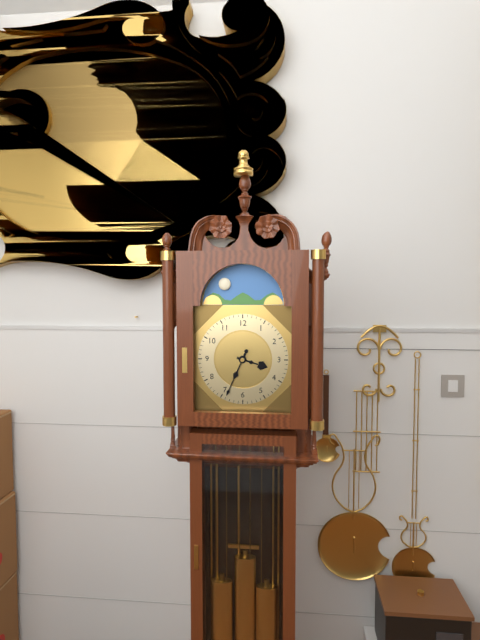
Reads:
3,34
